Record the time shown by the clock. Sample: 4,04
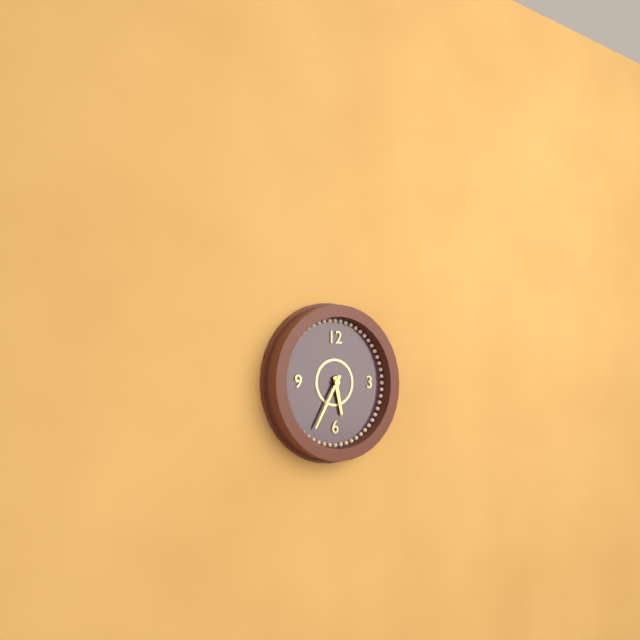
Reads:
5,35
